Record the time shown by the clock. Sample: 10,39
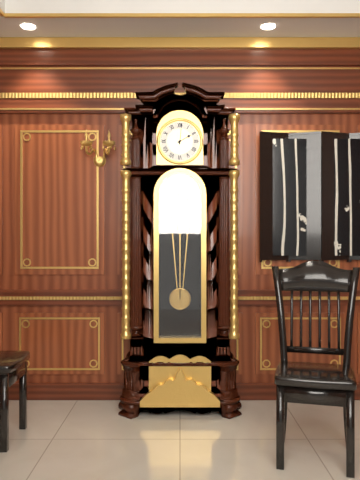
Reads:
2,01
